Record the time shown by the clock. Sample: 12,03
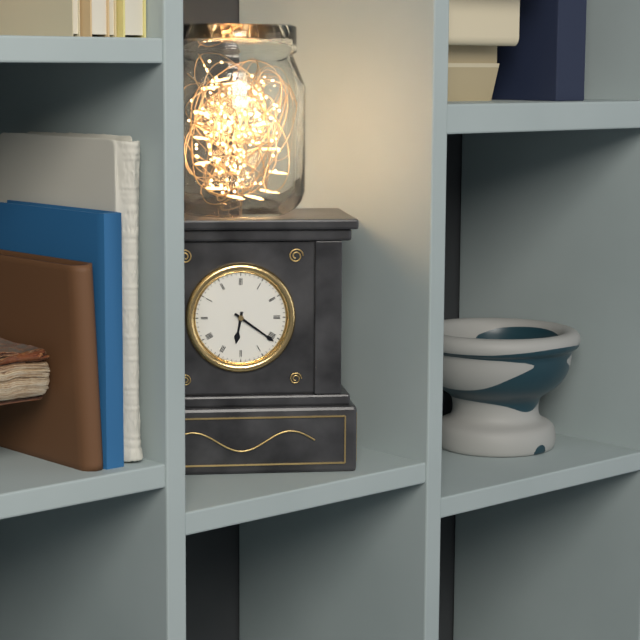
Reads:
6,21
